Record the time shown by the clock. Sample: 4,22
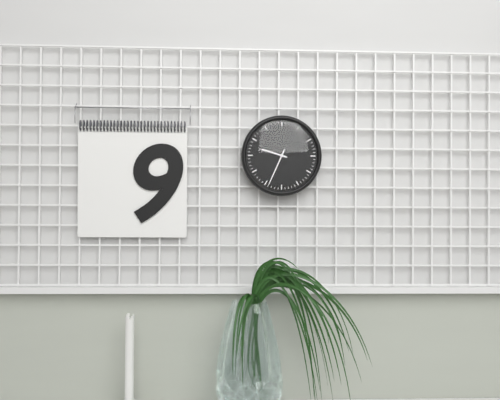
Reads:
9,34
